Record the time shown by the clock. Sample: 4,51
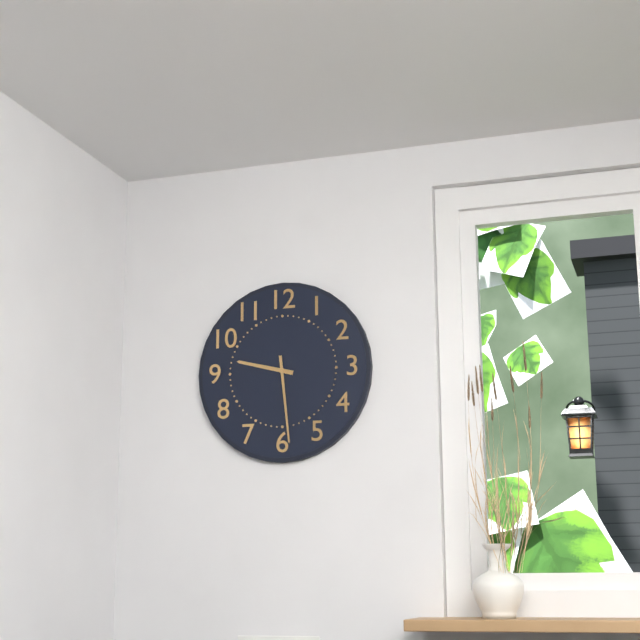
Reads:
9,29
